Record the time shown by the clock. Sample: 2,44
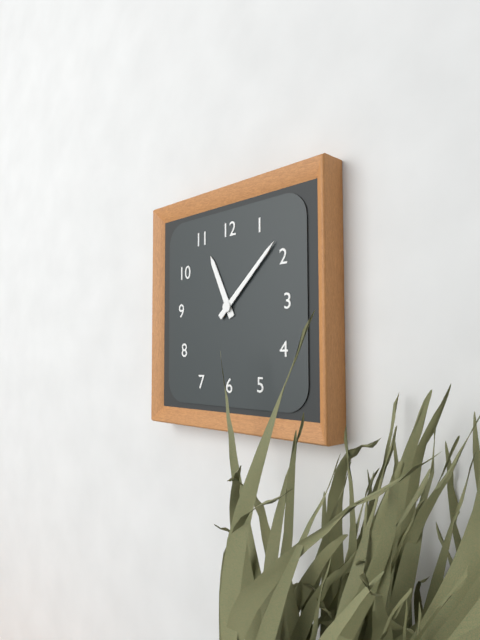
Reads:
11,08
